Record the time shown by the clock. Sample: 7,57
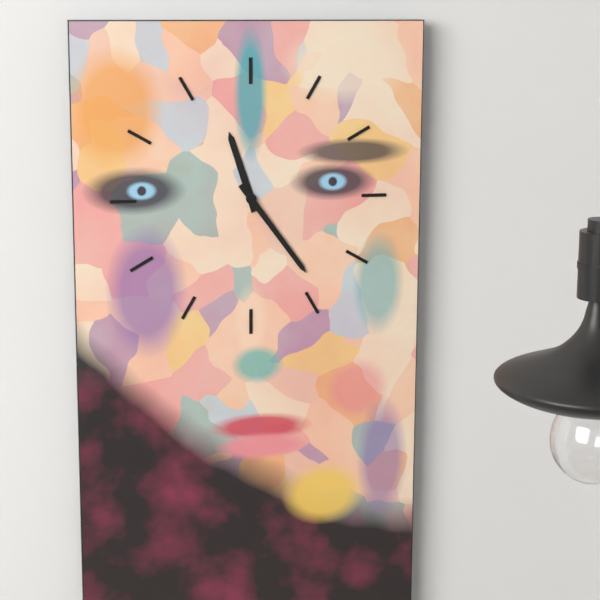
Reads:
11,24
